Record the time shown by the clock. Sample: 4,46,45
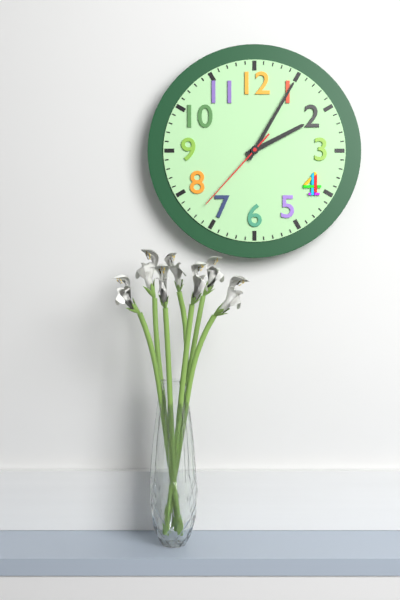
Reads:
2,05,37
